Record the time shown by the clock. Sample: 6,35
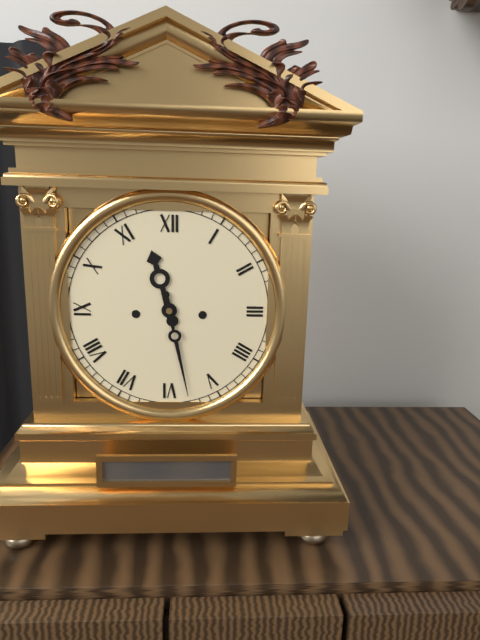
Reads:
11,28
